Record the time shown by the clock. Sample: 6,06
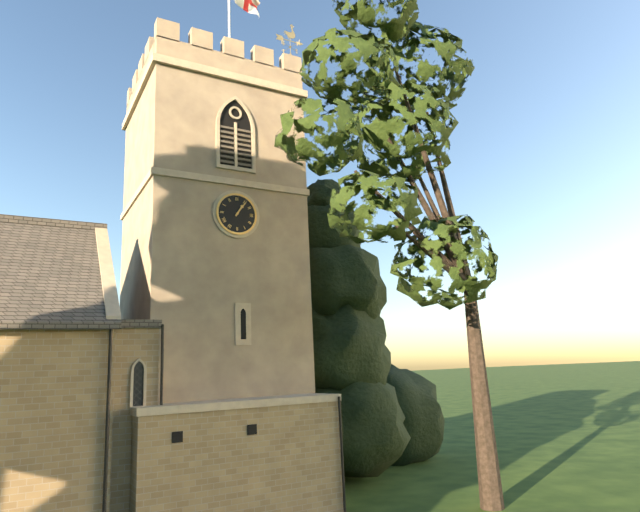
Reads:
1,06
